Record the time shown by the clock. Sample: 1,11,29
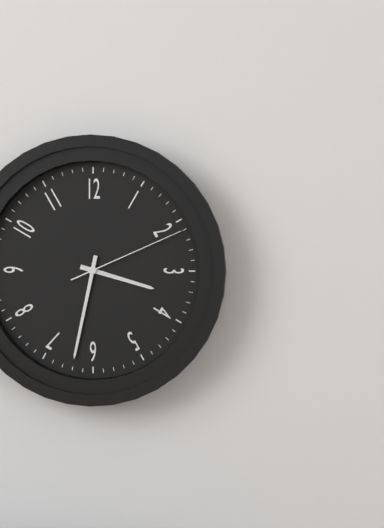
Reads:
3,32,11
